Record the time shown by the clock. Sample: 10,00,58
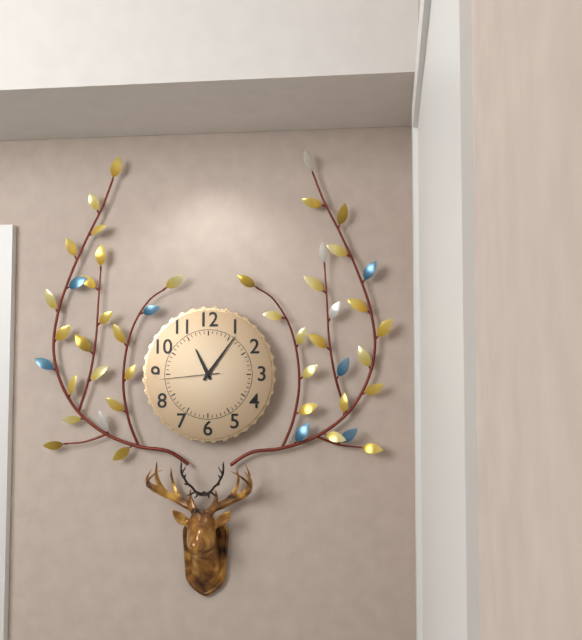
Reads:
11,06,44
